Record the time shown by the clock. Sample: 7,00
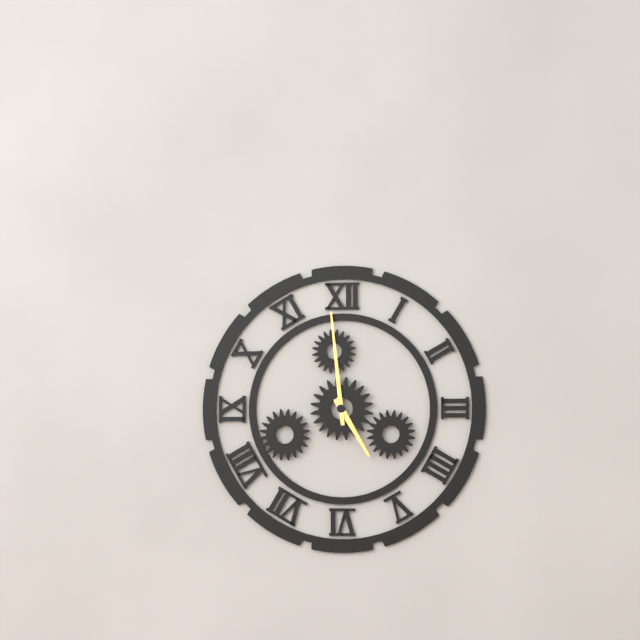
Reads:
4,59
